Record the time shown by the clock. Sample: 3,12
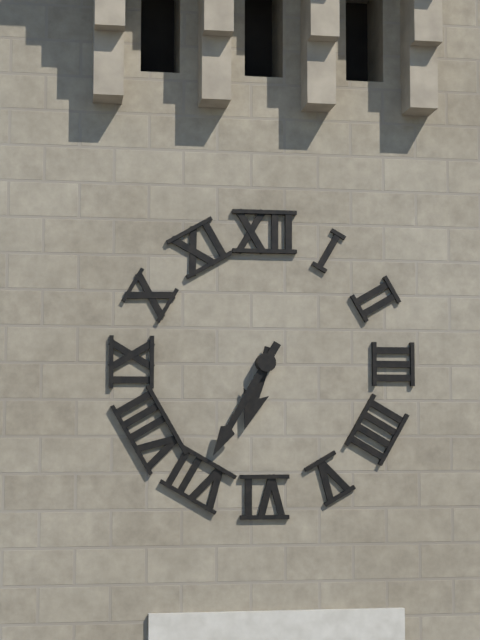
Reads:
6,35
